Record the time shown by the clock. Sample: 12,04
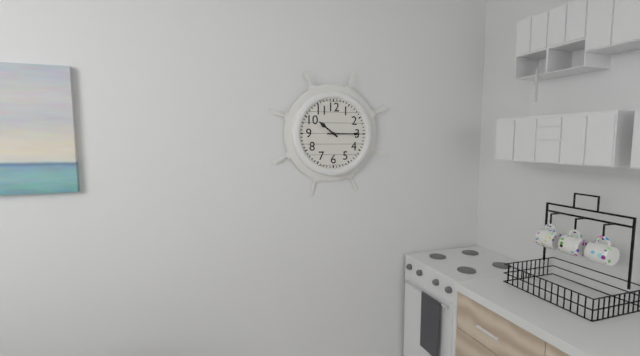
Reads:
10,15
